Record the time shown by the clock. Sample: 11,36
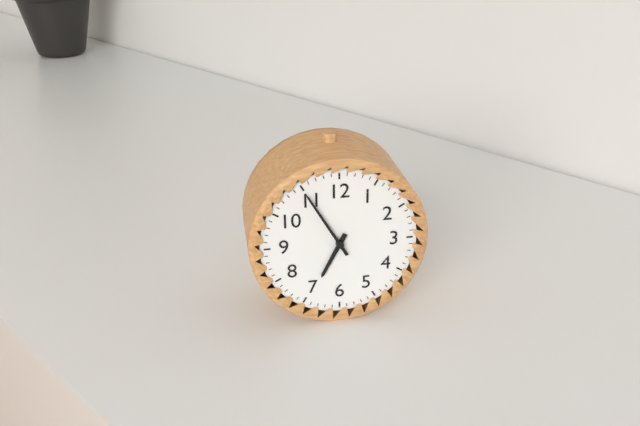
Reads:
6,55
